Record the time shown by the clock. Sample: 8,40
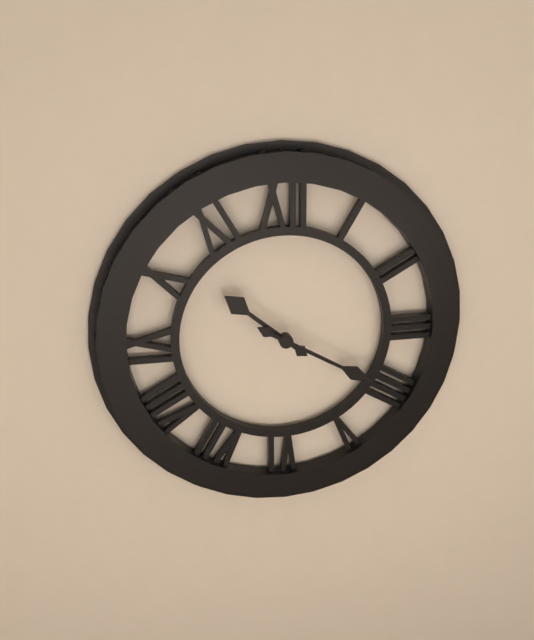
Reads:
10,20
